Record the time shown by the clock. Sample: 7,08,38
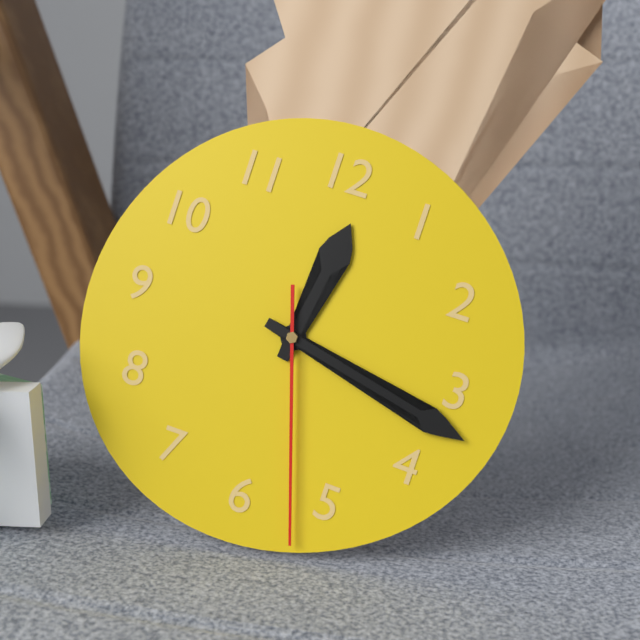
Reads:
12,17,27
